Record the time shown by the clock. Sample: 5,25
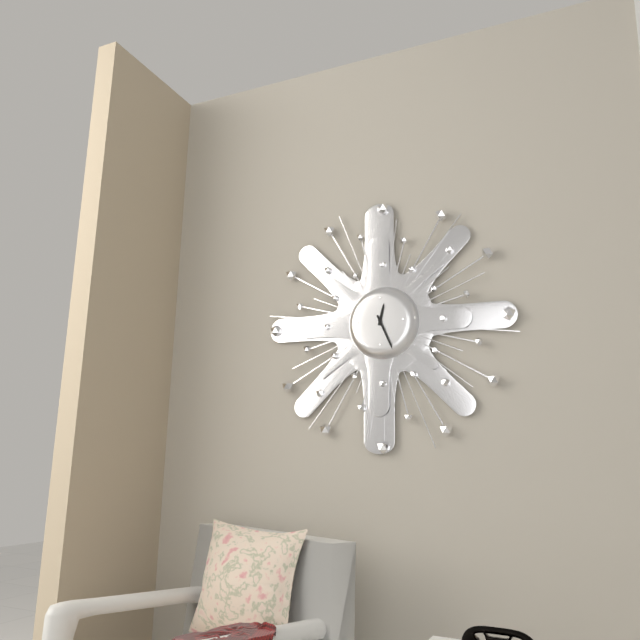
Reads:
12,26
